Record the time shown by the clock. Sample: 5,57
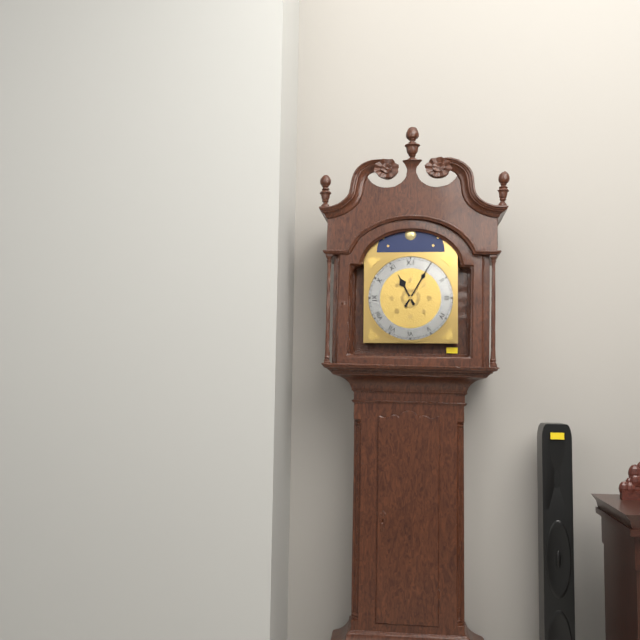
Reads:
11,05
